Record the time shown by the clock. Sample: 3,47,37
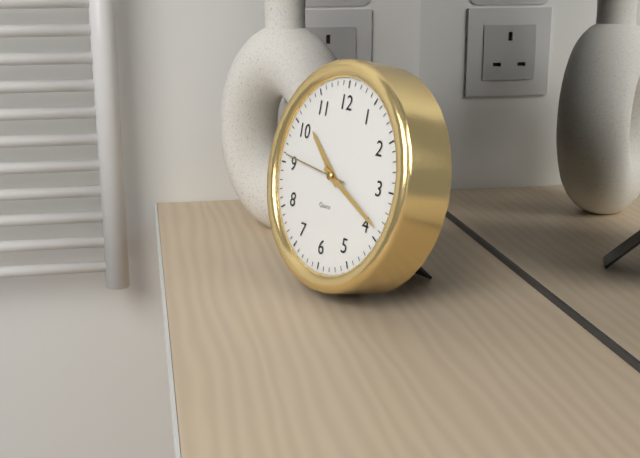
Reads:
10,19,46
